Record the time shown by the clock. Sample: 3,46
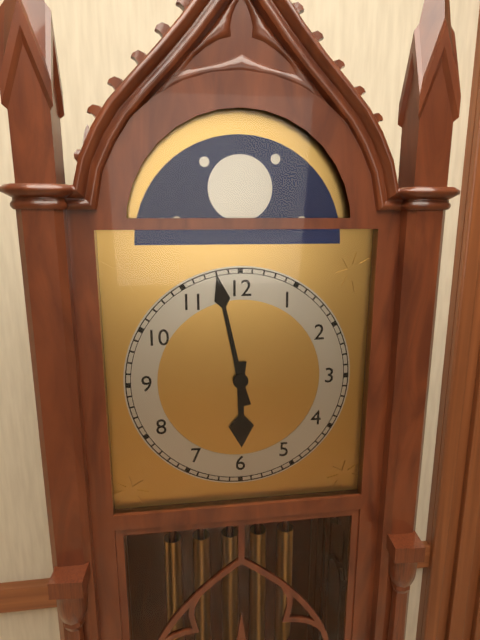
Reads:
5,58
